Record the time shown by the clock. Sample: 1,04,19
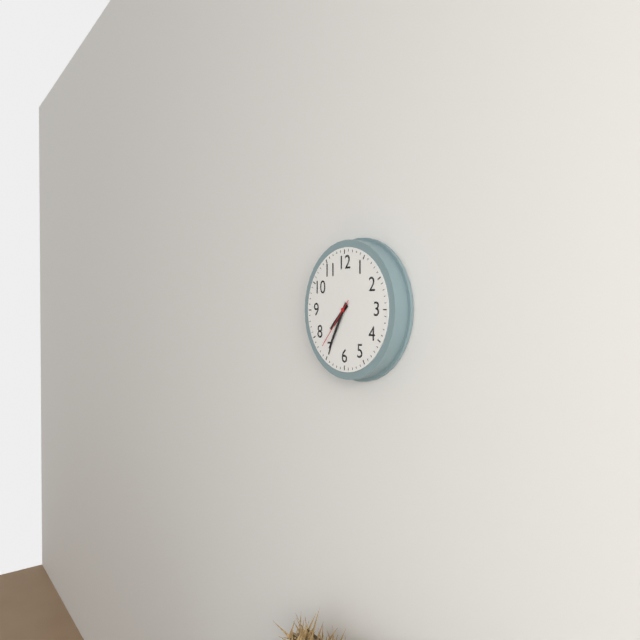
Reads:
7,35,37
